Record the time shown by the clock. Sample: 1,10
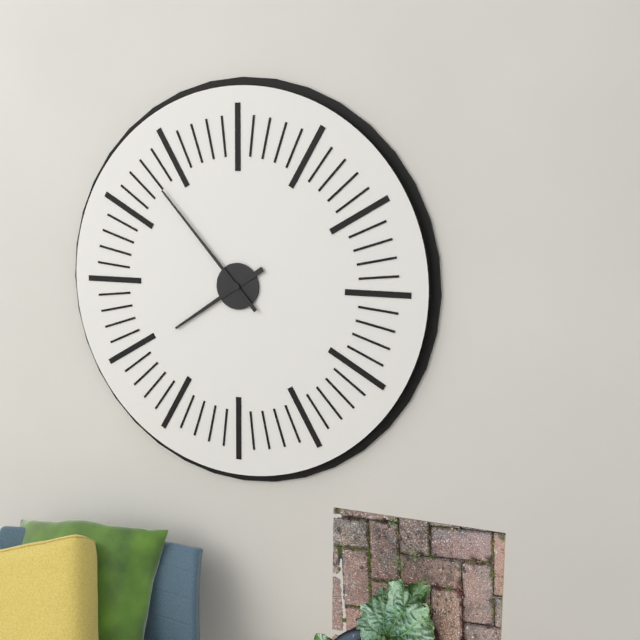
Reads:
7,53
